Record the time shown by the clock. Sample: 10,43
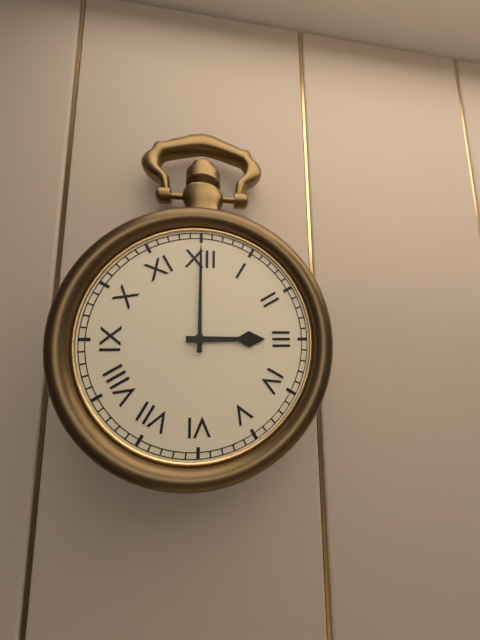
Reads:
3,00
